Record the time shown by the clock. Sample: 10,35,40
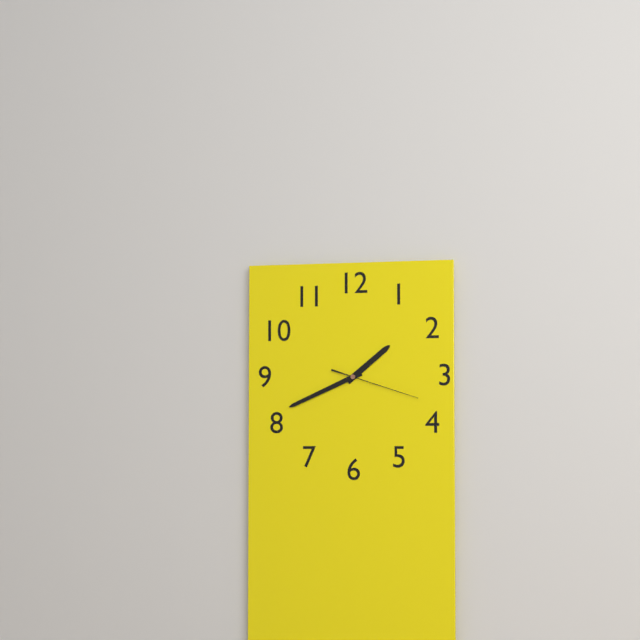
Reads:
1,41,18
